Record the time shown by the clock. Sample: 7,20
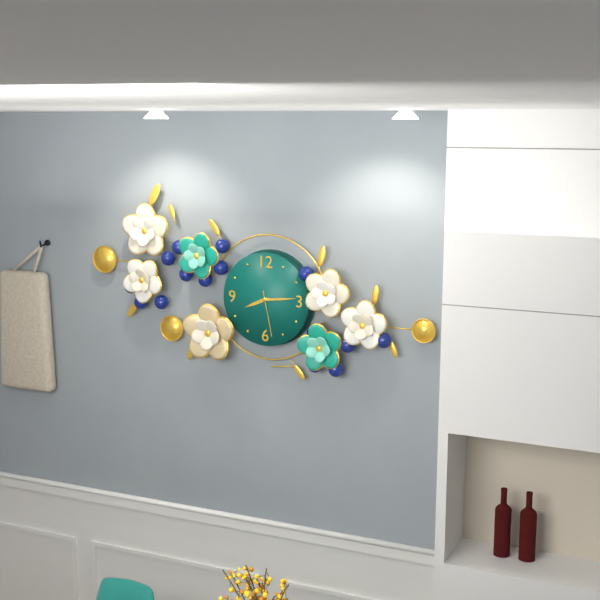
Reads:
8,14
